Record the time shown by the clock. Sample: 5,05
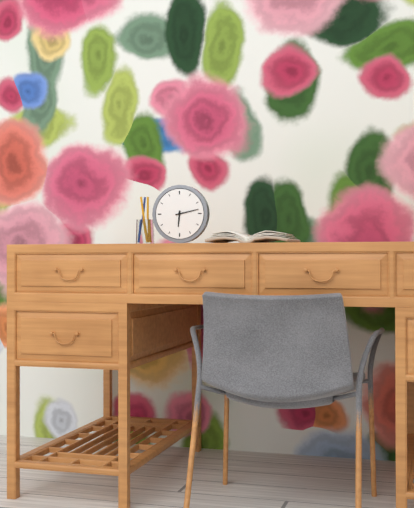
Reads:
6,13
